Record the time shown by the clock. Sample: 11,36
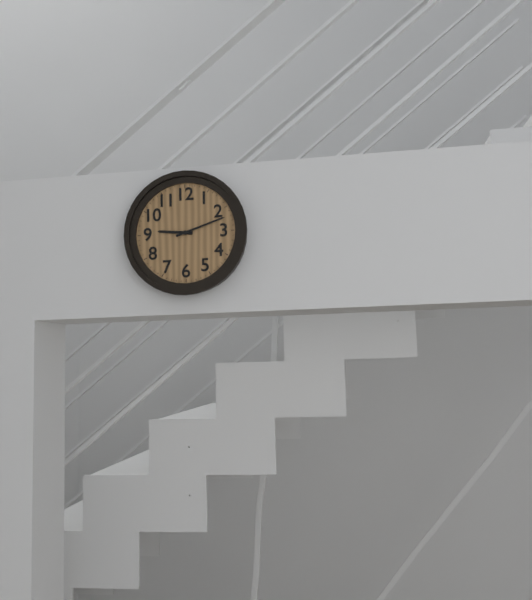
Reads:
9,12
